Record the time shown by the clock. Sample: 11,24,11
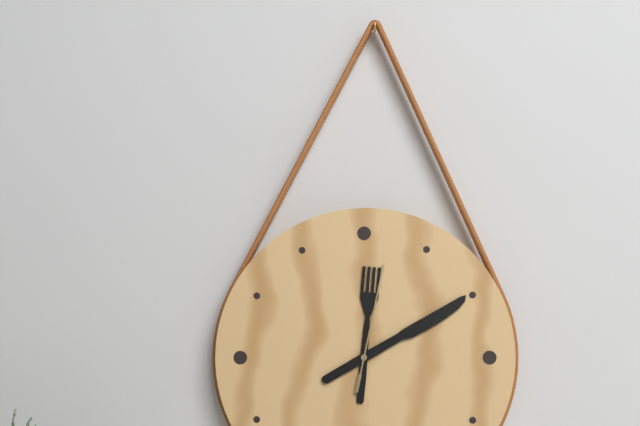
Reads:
12,10,02
